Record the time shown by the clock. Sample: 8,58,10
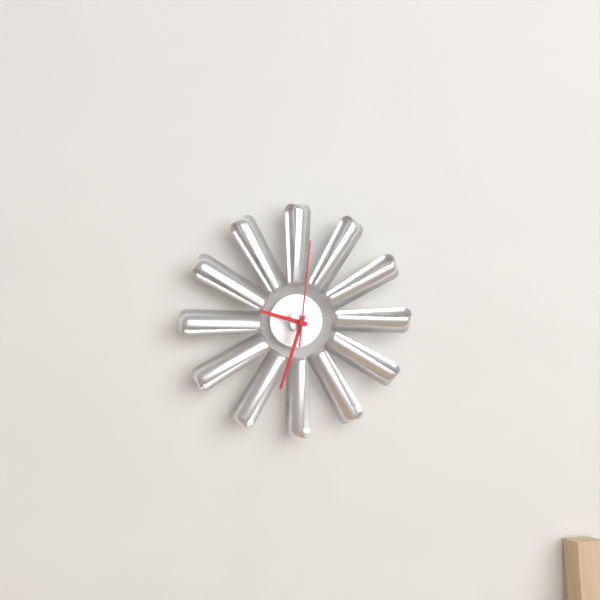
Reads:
9,33,01
